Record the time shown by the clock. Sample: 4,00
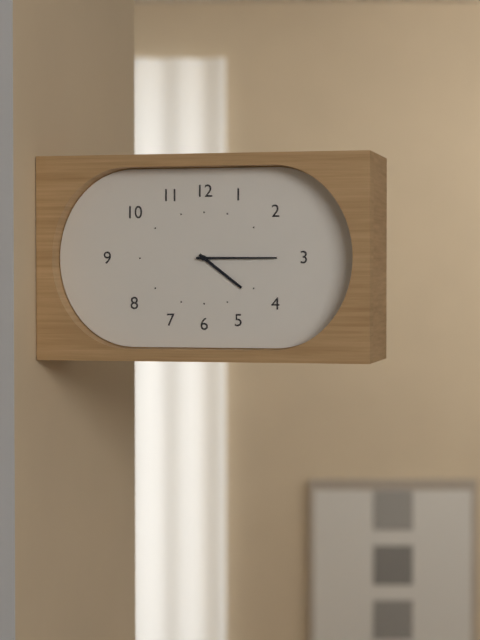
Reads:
4,15
